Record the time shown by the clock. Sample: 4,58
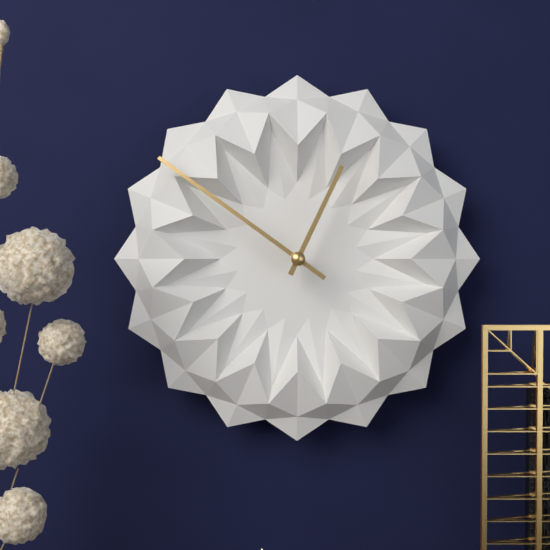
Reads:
12,51
